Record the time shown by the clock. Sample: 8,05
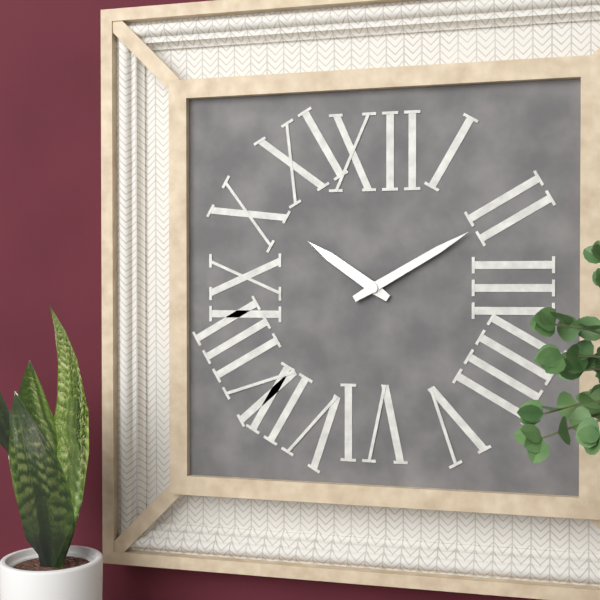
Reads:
10,10
